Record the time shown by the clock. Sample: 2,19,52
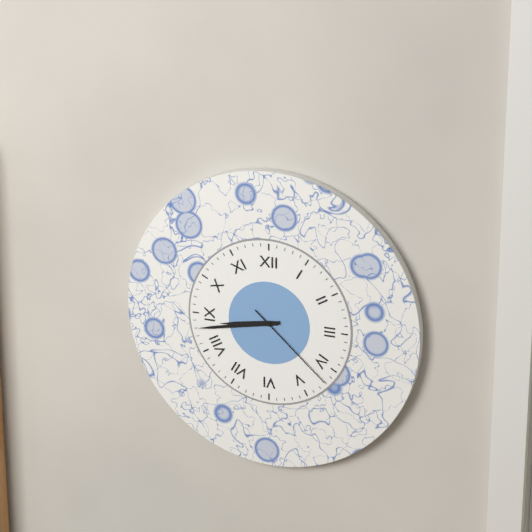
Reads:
8,43,22
